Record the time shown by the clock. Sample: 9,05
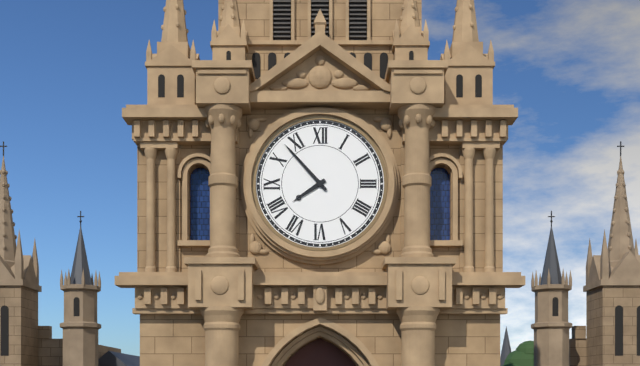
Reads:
7,53
